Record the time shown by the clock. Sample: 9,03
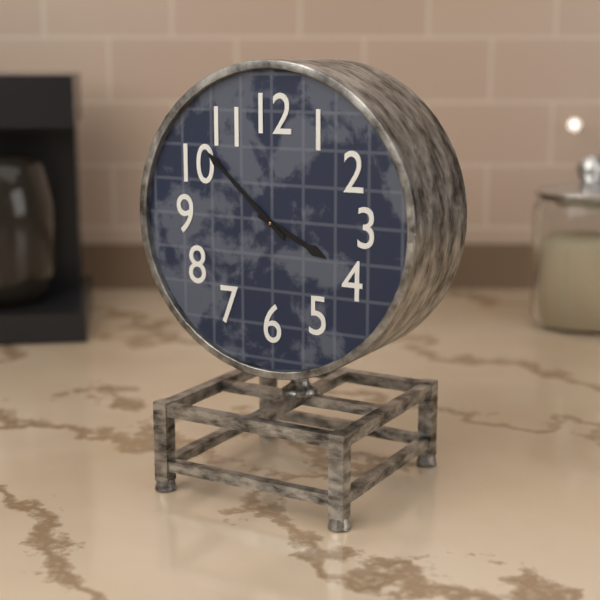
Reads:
3,52
